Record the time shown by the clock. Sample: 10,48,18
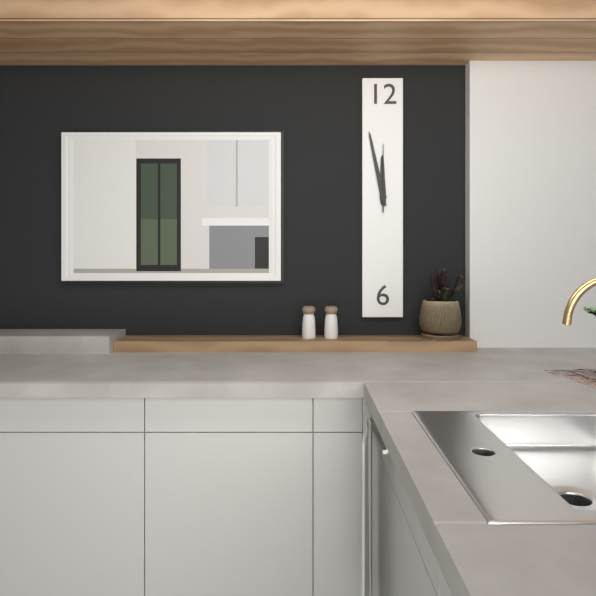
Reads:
11,58,00
